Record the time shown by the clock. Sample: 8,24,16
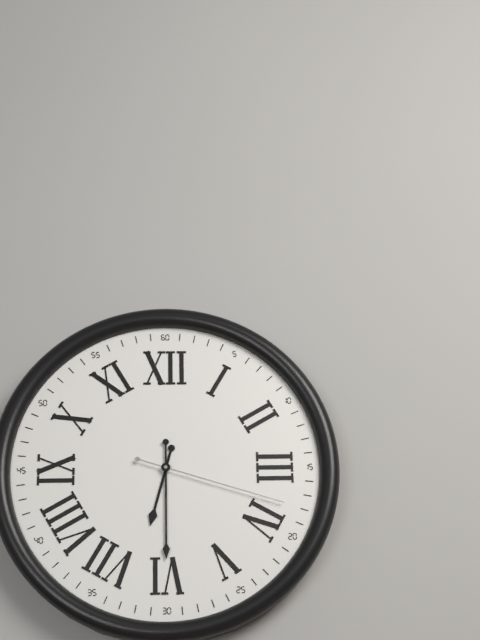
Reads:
6,30,18
